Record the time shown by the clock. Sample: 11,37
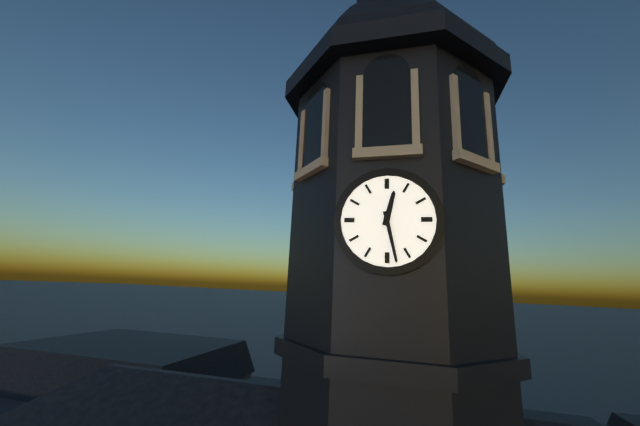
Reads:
12,28
